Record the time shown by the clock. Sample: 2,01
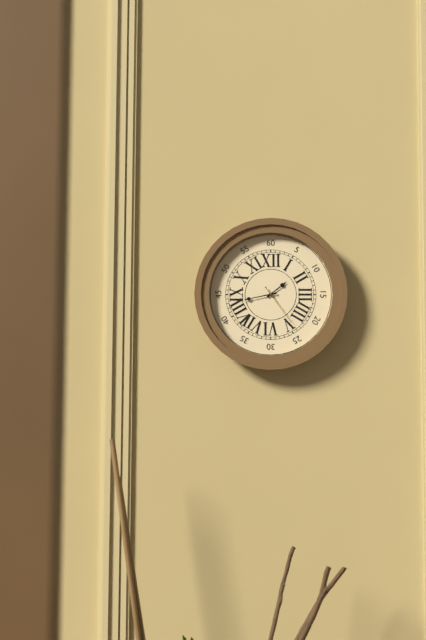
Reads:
1,43
